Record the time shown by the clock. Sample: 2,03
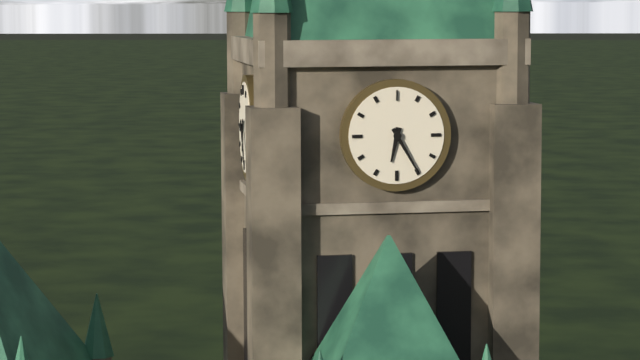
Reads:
6,25
